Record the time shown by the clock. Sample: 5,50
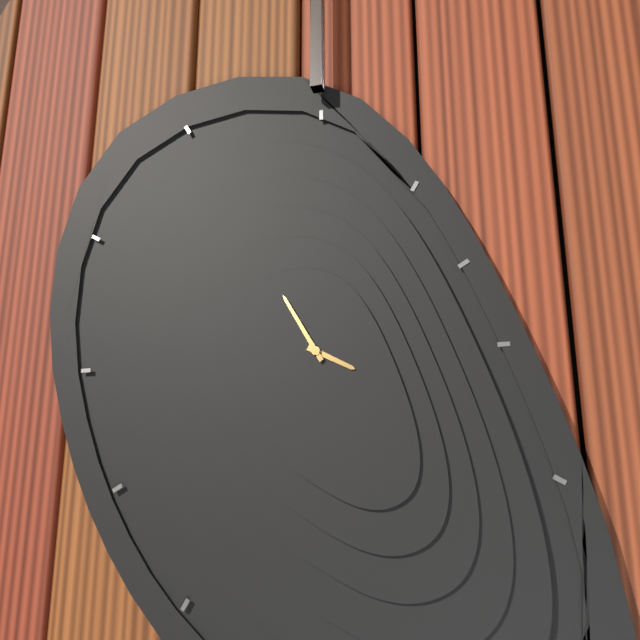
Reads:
3,55
